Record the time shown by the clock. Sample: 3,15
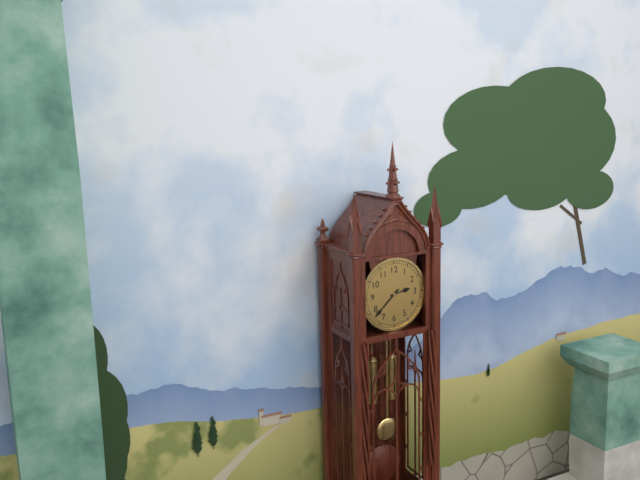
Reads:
2,38
